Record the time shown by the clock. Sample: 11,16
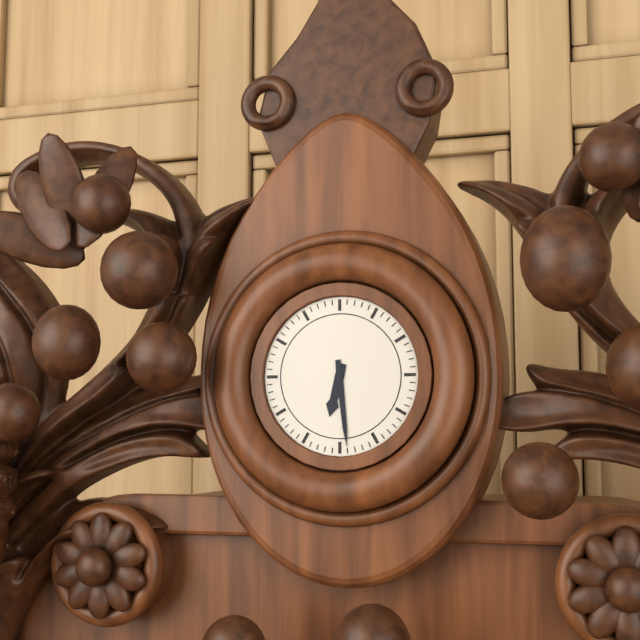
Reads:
6,29
